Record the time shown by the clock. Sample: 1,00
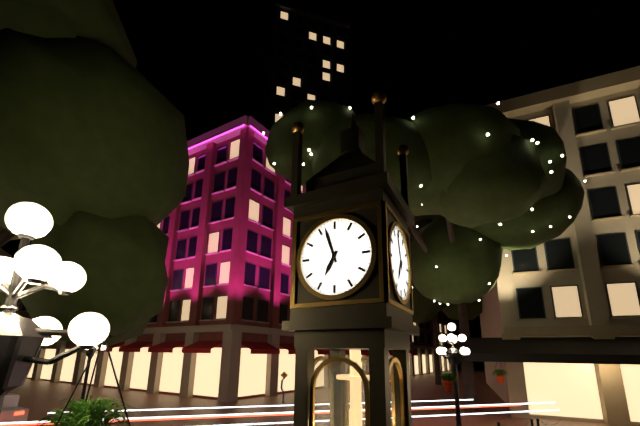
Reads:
6,57
